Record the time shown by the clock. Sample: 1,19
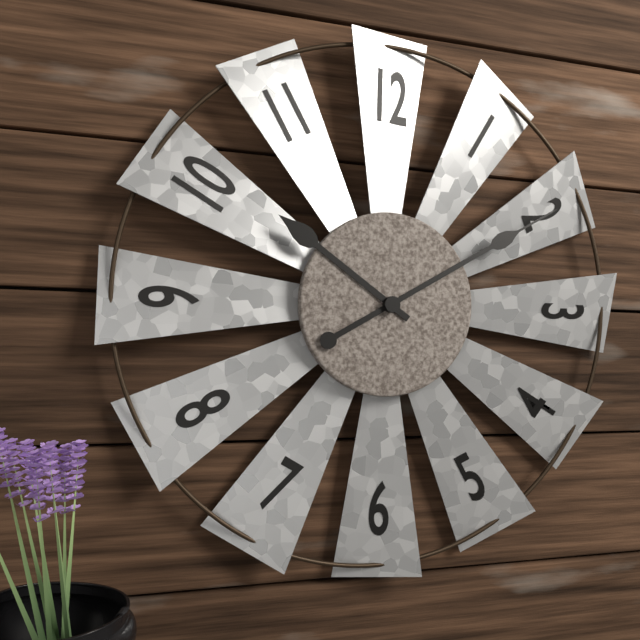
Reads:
10,10
